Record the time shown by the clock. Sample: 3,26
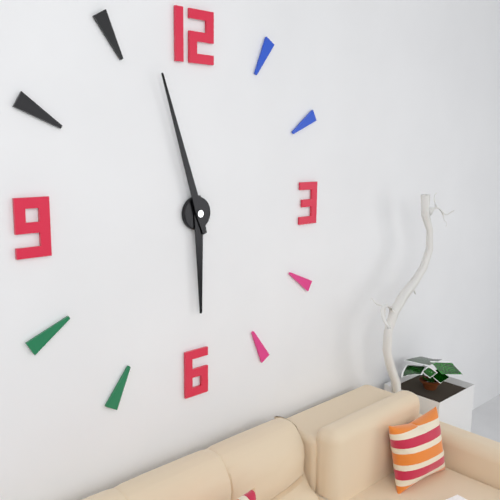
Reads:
5,57
